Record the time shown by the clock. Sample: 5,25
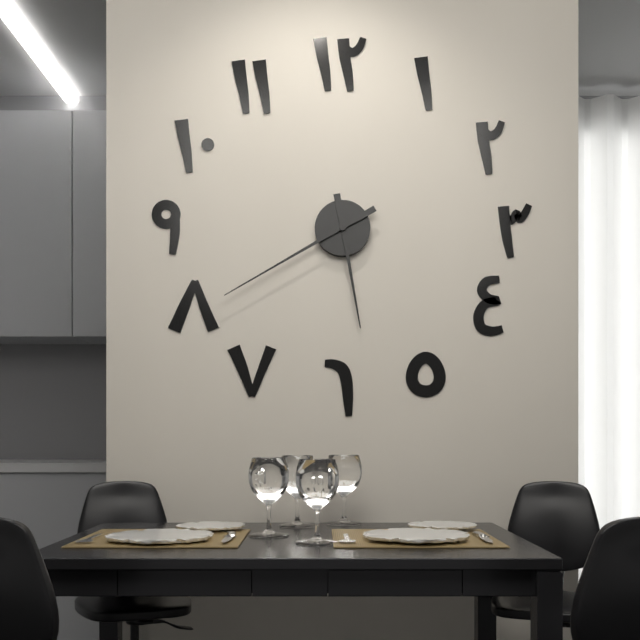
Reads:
5,40
